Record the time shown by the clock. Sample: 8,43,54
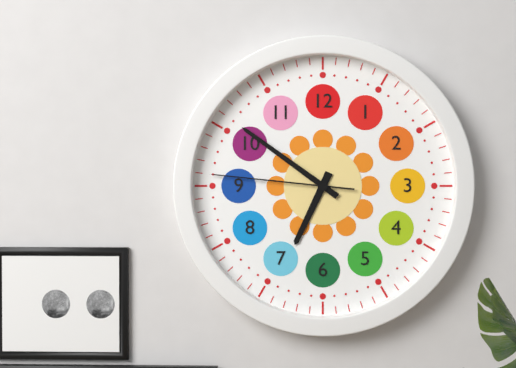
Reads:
6,51,46
